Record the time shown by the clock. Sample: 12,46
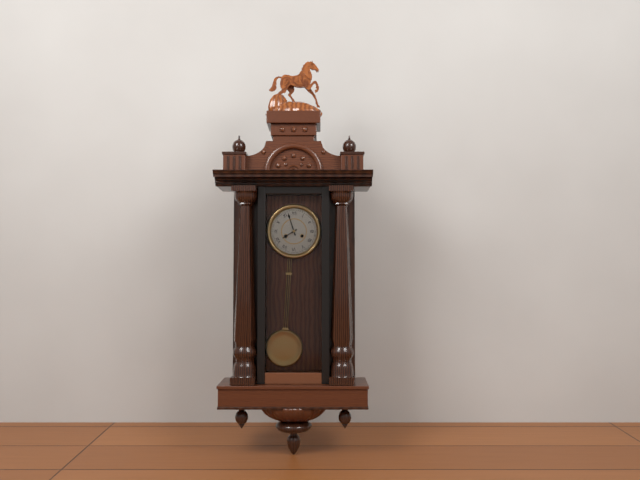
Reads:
7,57
